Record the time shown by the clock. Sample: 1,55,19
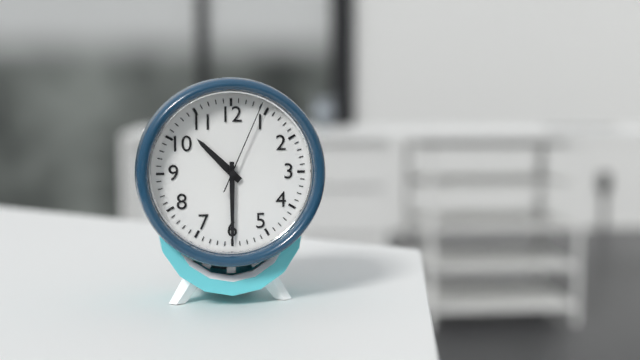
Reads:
10,30,04
